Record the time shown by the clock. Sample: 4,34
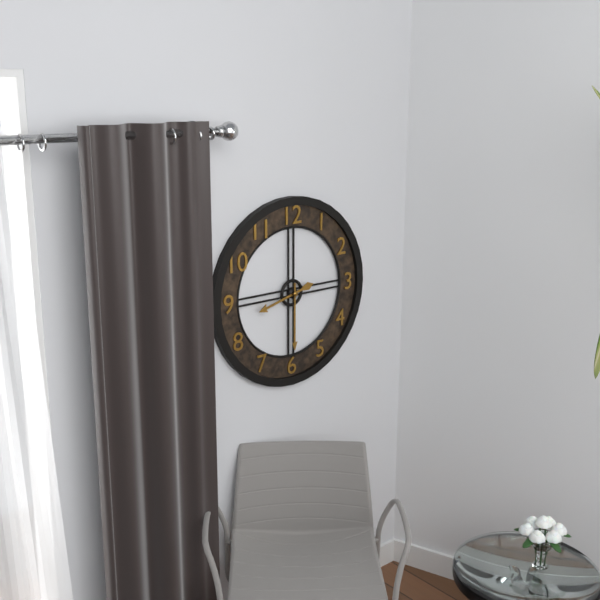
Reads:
8,30
